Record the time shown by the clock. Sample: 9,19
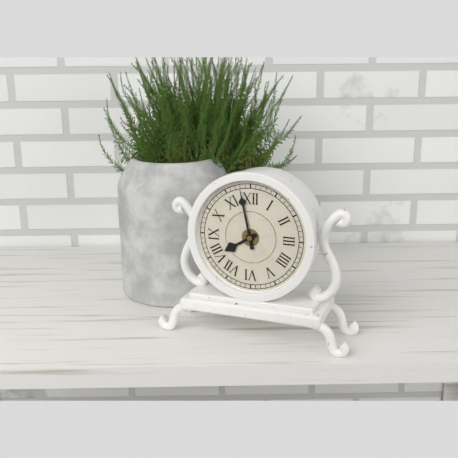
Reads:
7,58
